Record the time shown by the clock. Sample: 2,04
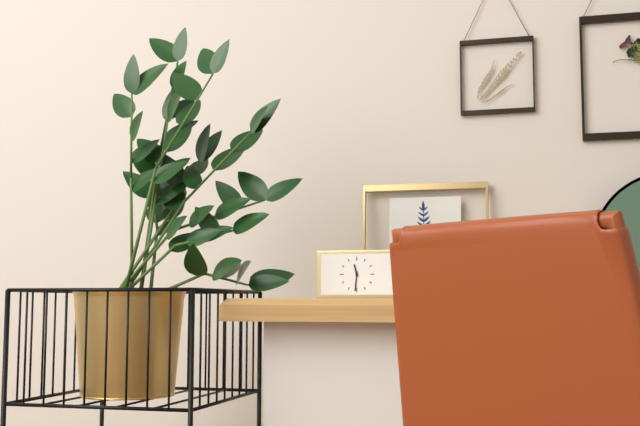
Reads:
11,31
